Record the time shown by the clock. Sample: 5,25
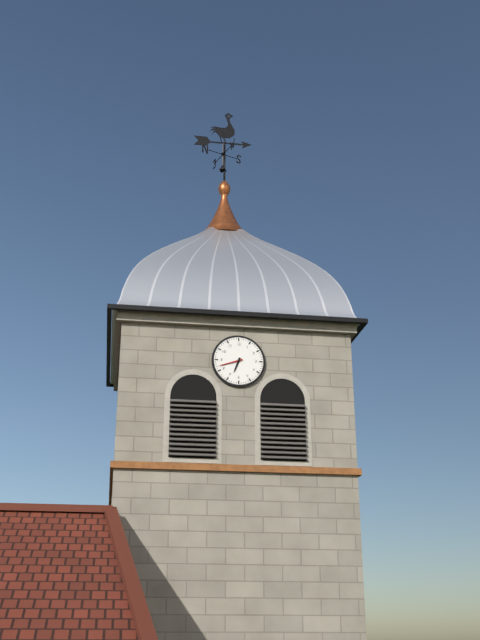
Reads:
6,42
